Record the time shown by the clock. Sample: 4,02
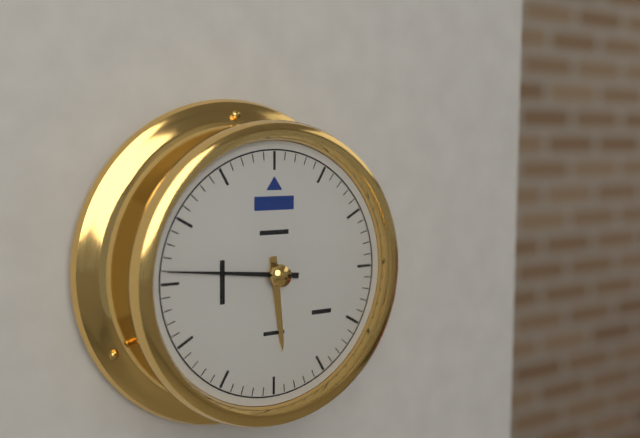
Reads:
5,46
